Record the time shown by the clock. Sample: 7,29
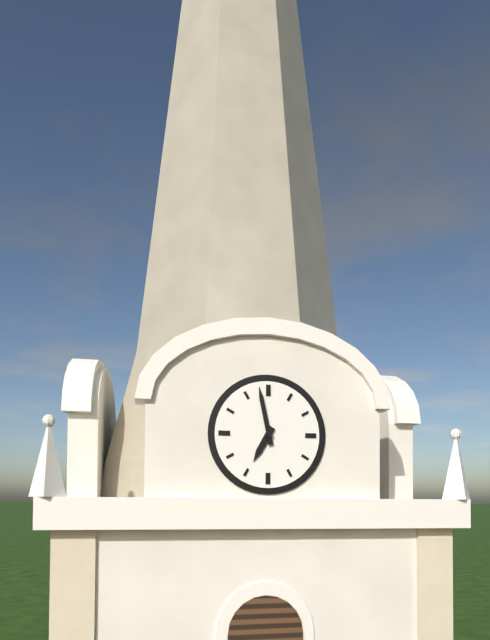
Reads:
6,58
